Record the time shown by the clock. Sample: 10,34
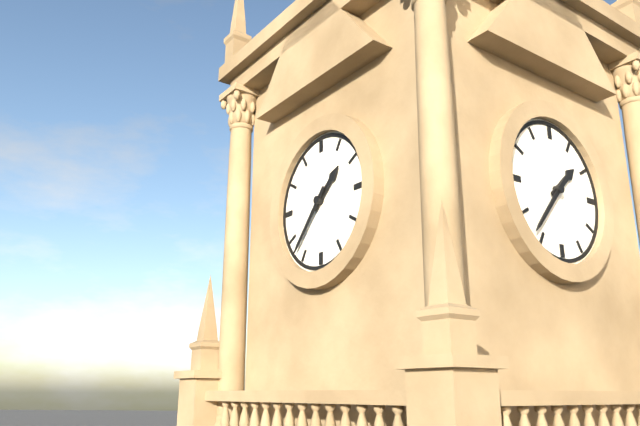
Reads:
1,37
